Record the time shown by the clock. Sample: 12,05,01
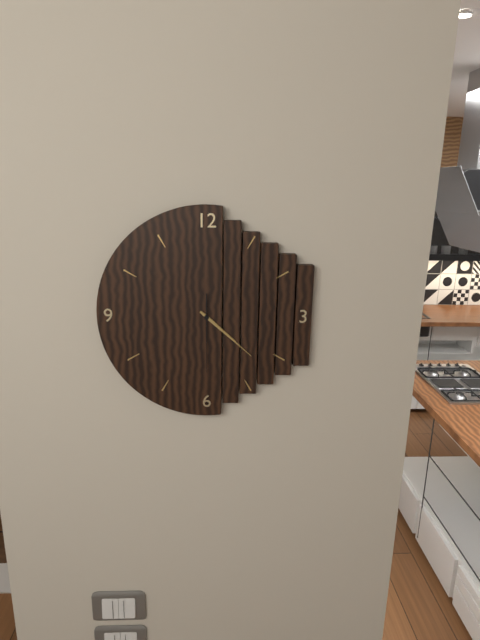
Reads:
4,22,30
